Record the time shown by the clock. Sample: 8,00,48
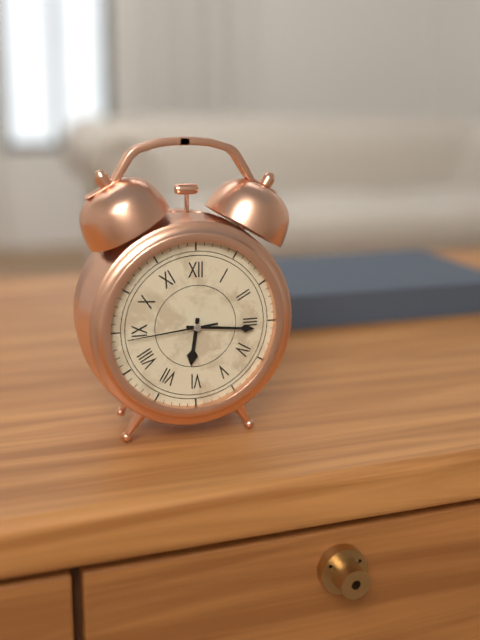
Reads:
6,16,44
